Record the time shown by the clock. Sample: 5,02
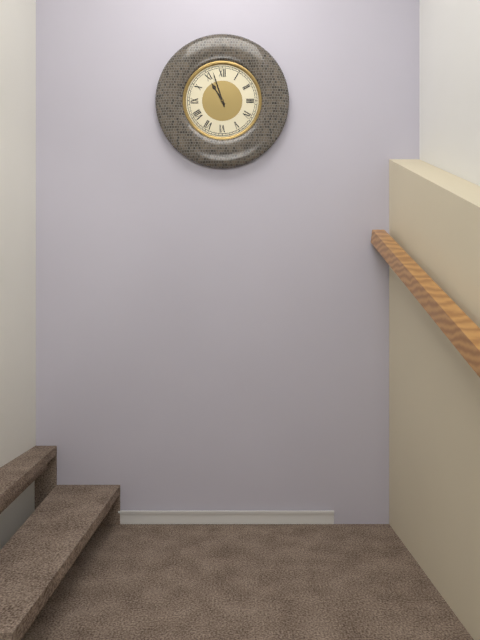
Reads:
10,57
